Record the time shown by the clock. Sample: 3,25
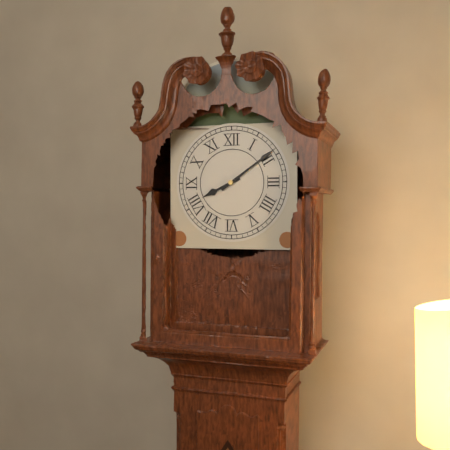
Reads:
8,09
